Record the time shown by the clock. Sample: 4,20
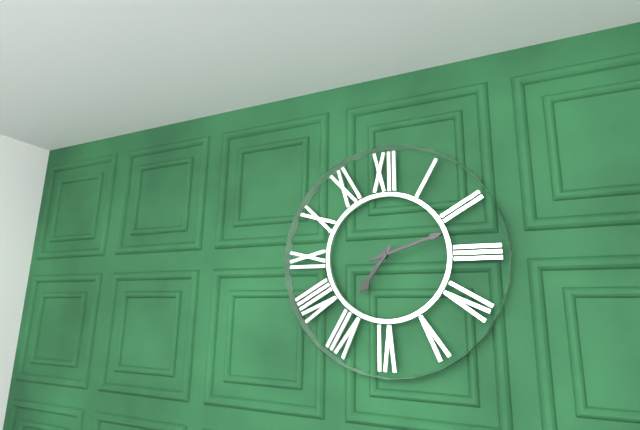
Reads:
7,12
